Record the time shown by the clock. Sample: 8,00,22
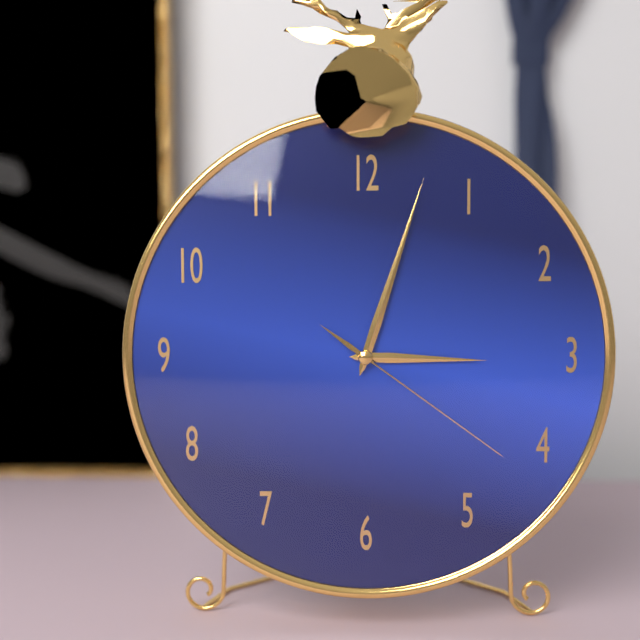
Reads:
3,03,21
